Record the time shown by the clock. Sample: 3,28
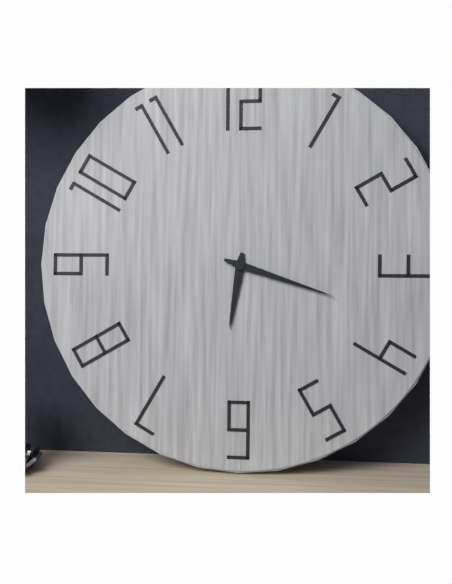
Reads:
6,18
